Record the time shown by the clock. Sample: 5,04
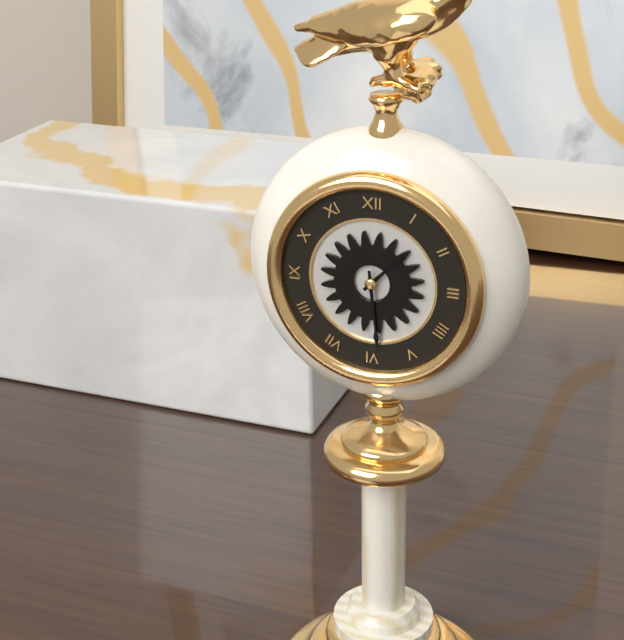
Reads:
1,29
